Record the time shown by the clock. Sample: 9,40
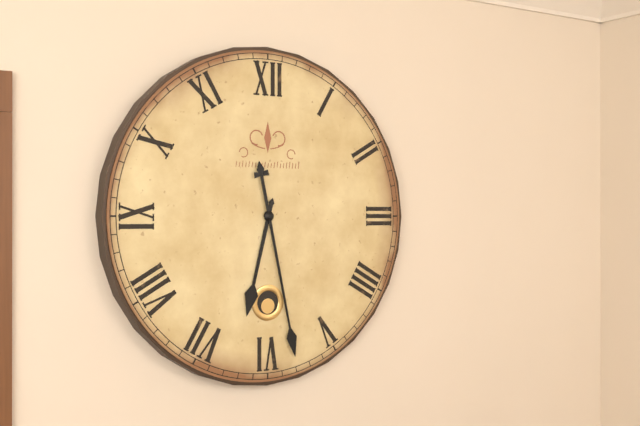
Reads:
6,28
